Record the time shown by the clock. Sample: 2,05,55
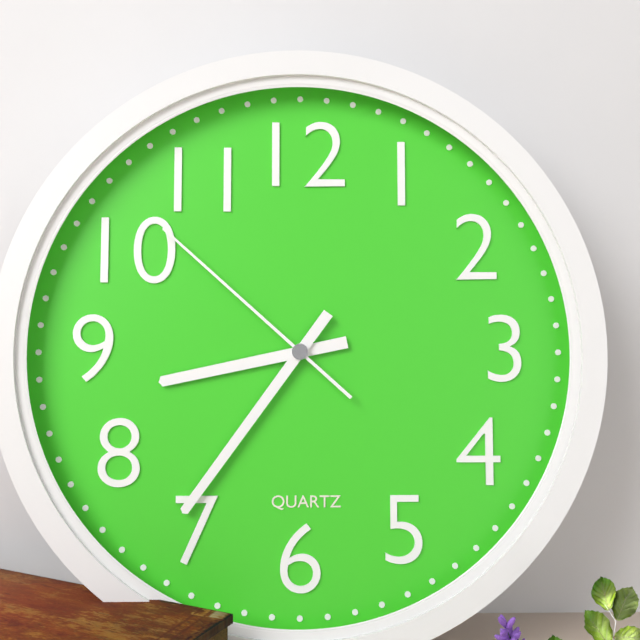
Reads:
8,36,52
